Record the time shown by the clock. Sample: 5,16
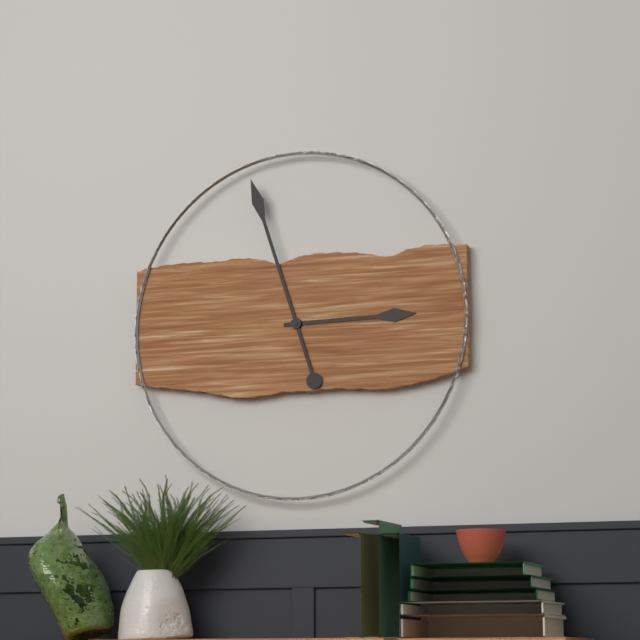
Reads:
2,57
